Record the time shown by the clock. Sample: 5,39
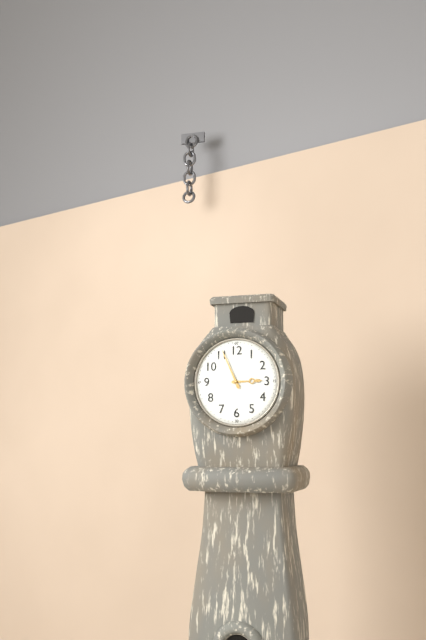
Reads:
2,56
